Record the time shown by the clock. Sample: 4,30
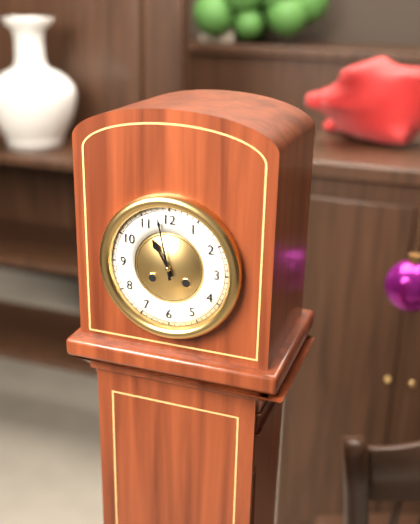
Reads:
10,58
